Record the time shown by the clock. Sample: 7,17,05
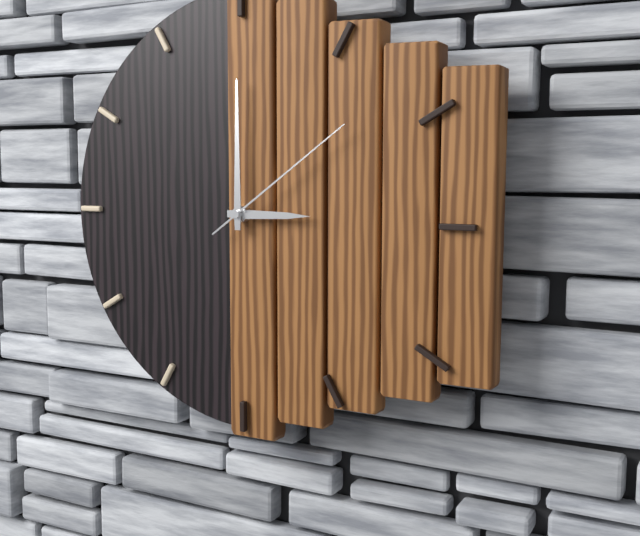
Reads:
3,00,09
